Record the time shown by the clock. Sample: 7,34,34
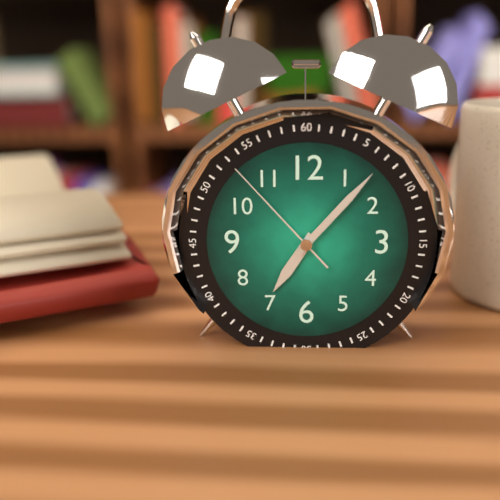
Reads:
7,07,53
